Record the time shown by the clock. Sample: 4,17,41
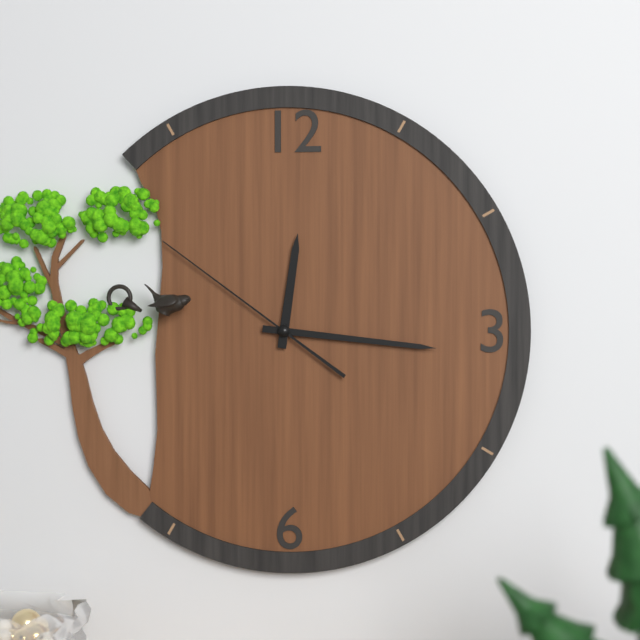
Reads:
12,16,51
